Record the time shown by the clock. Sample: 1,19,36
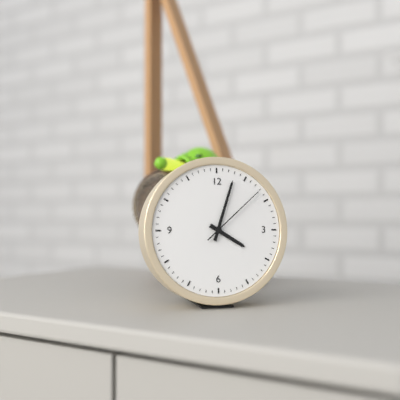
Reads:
4,03,08
